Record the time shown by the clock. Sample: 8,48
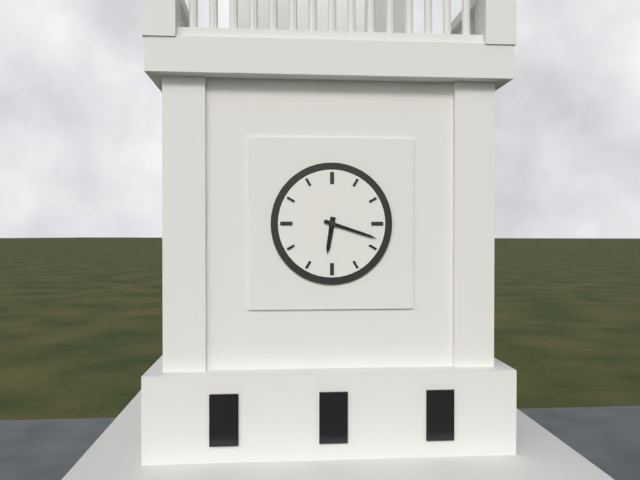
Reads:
6,18
